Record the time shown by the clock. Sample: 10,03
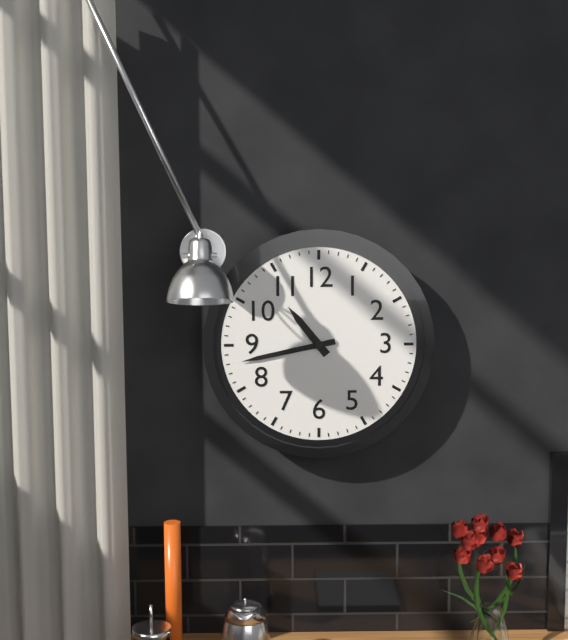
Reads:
10,43
